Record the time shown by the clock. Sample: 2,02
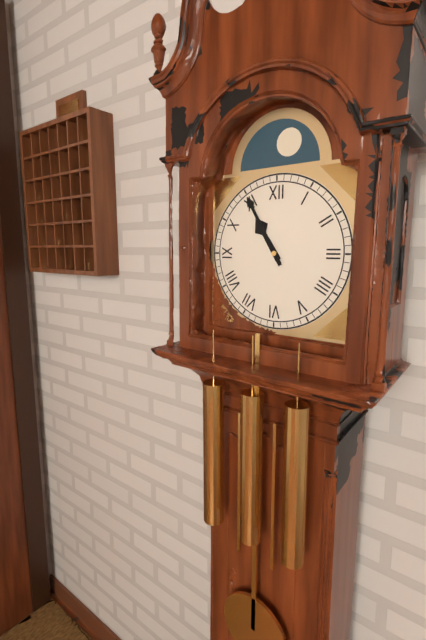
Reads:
10,55
